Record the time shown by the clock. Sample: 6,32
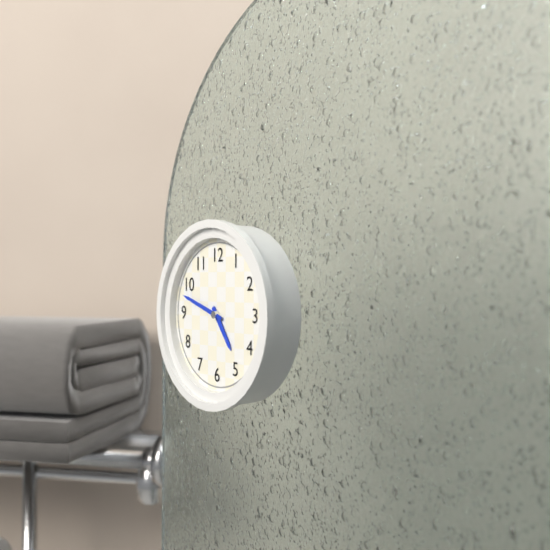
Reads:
4,48
